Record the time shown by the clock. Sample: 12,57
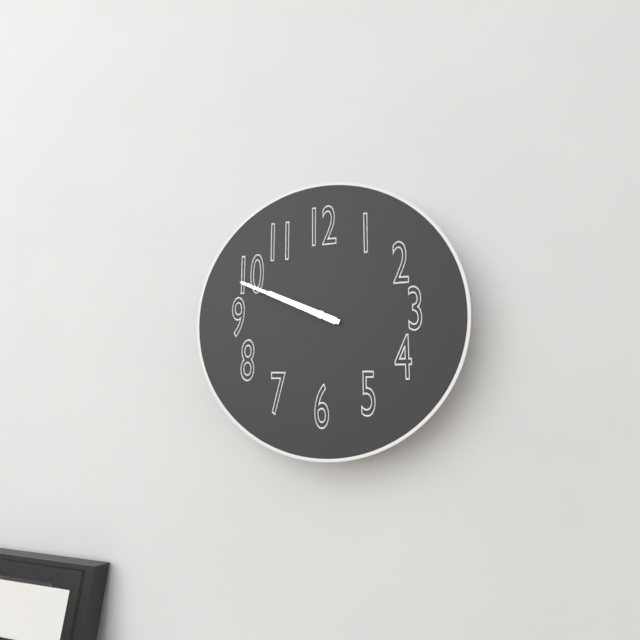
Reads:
9,49
